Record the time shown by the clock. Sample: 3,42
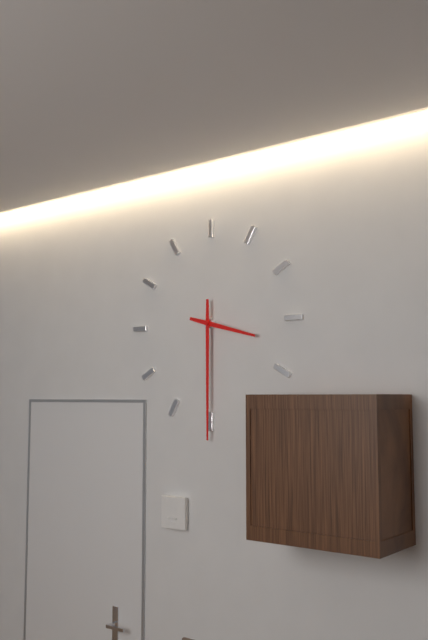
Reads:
3,30
